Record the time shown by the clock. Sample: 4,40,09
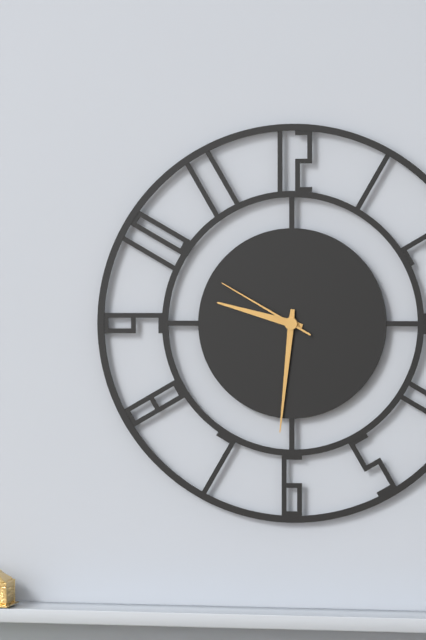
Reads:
9,31,50
